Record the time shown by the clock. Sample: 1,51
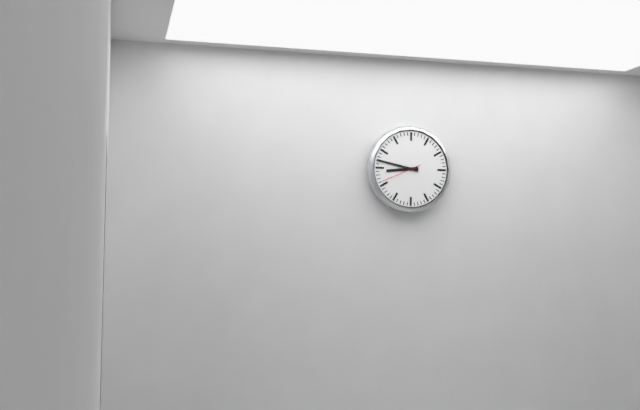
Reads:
8,47
